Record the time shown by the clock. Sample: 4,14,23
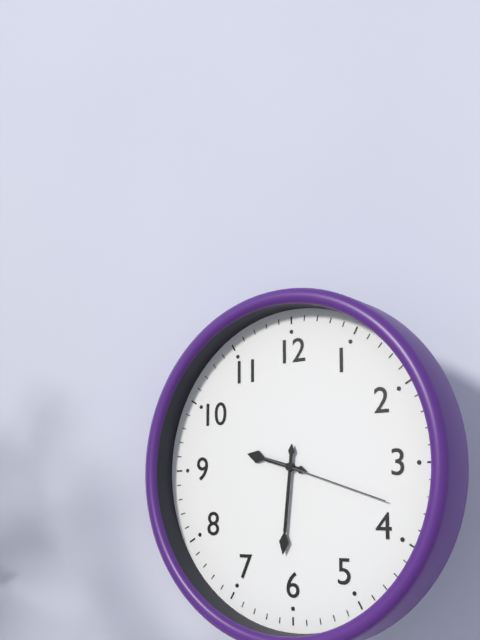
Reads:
9,31,18
